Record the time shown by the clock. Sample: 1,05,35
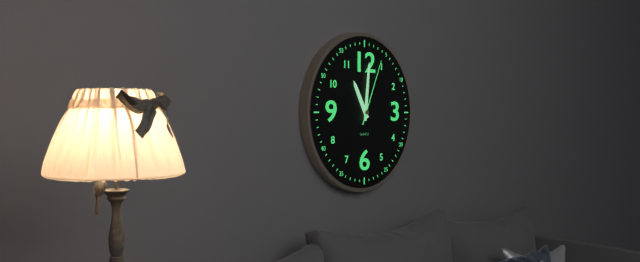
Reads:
11,01,04
